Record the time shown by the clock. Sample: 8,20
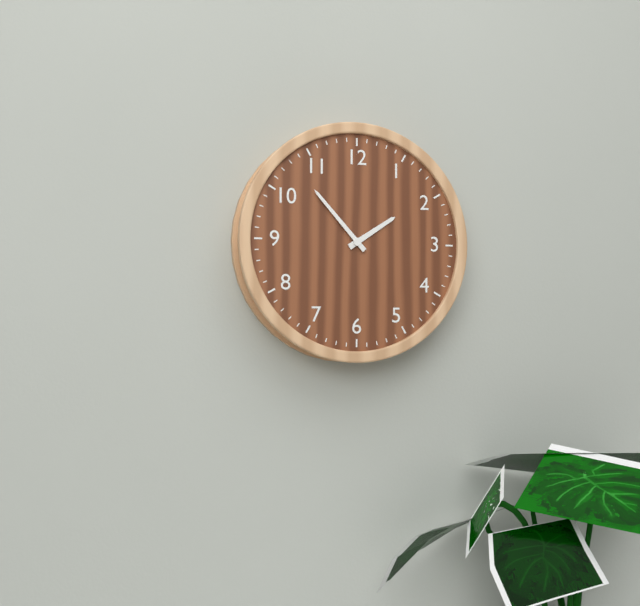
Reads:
1,53
